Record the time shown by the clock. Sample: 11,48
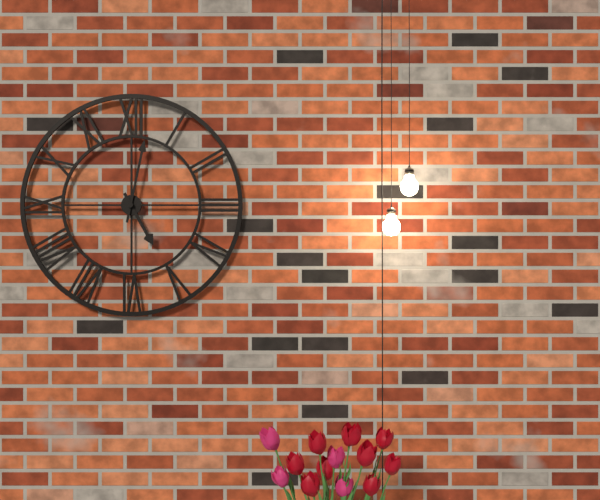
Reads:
5,02
